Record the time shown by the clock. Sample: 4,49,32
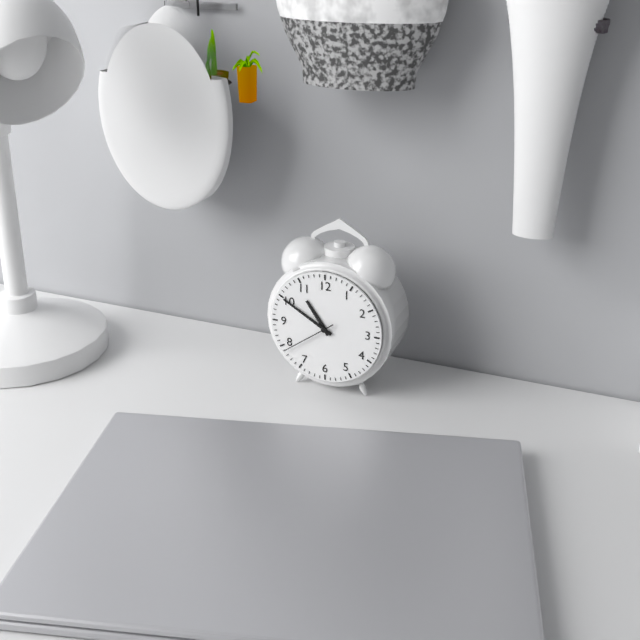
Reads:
10,50,39
